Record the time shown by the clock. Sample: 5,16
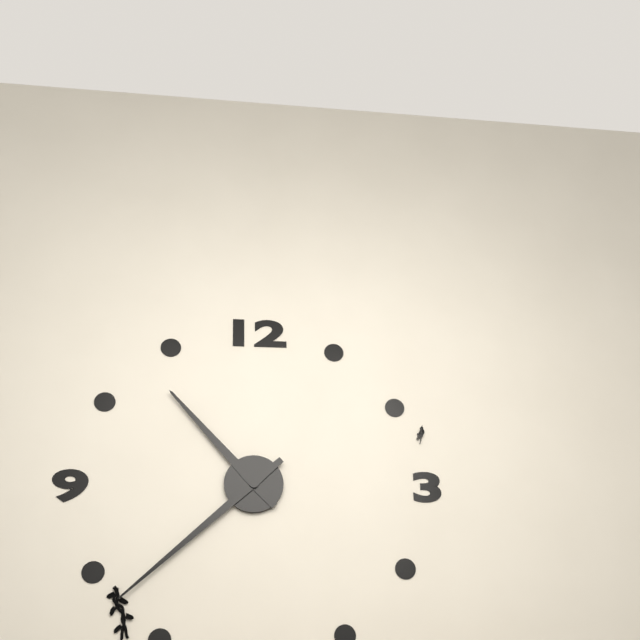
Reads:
10,38
